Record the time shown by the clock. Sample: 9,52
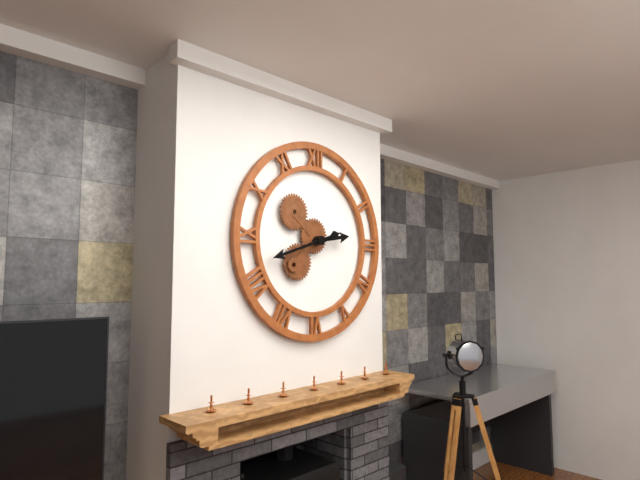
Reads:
2,42
